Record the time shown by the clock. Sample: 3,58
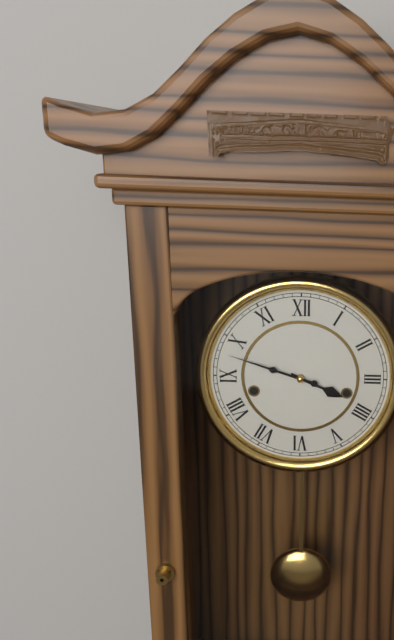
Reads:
3,48
